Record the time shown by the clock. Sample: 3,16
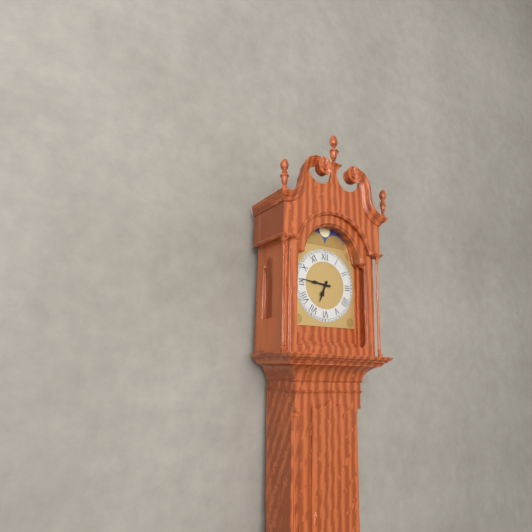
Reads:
6,46
